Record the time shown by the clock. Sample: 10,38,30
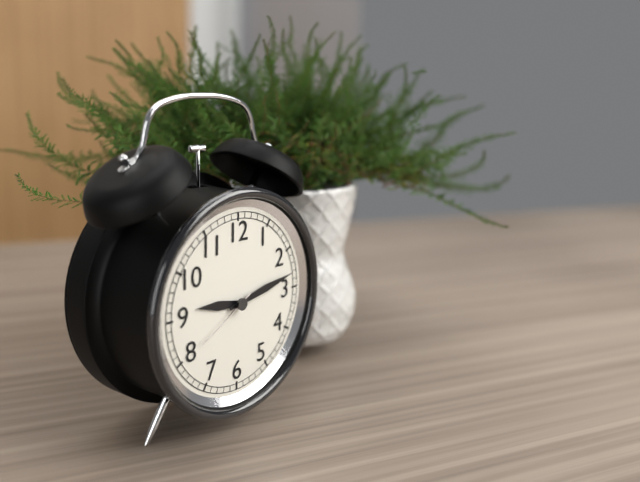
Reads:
9,13,40
